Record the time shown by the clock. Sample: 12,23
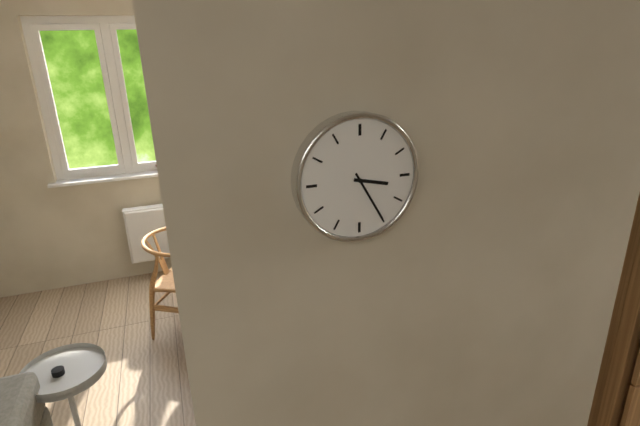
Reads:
3,25
